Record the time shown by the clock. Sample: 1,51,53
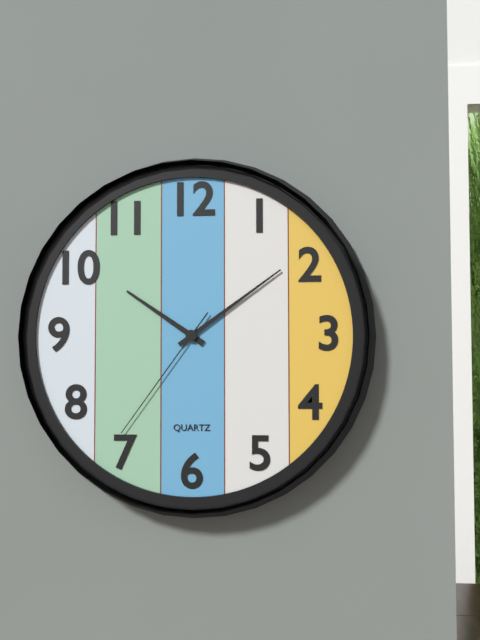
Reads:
10,09,36
